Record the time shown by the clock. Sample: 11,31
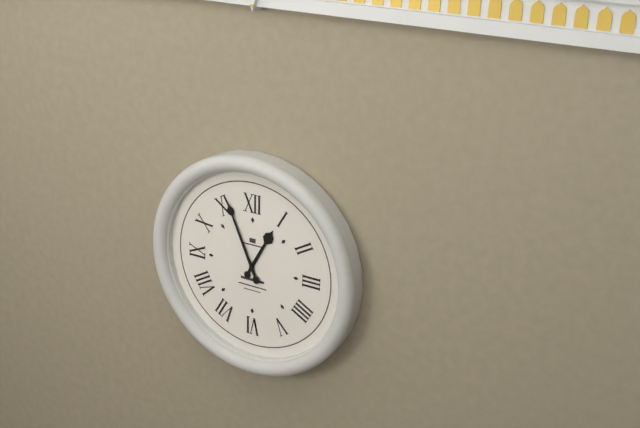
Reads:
12,56
